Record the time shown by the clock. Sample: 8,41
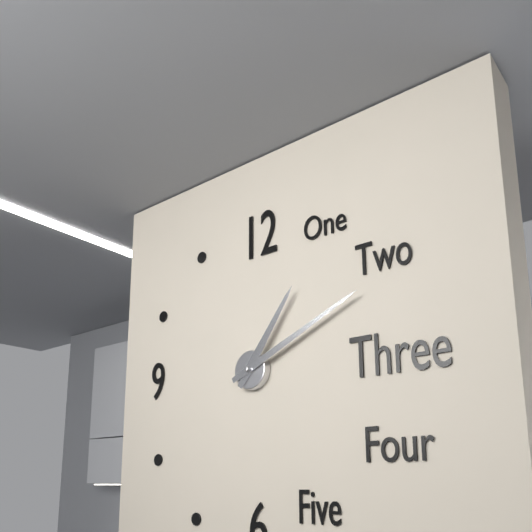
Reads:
1,11
